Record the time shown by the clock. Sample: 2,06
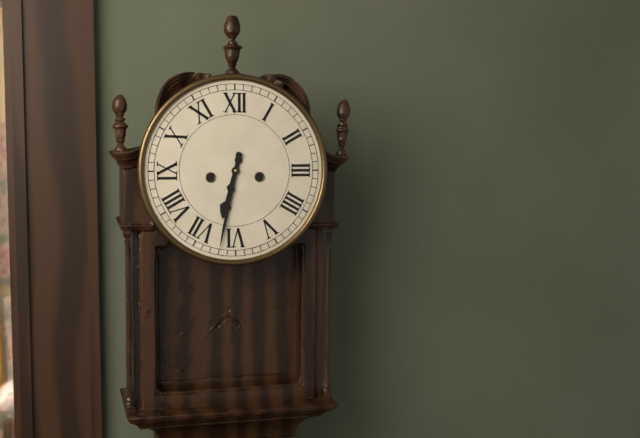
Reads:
6,32
